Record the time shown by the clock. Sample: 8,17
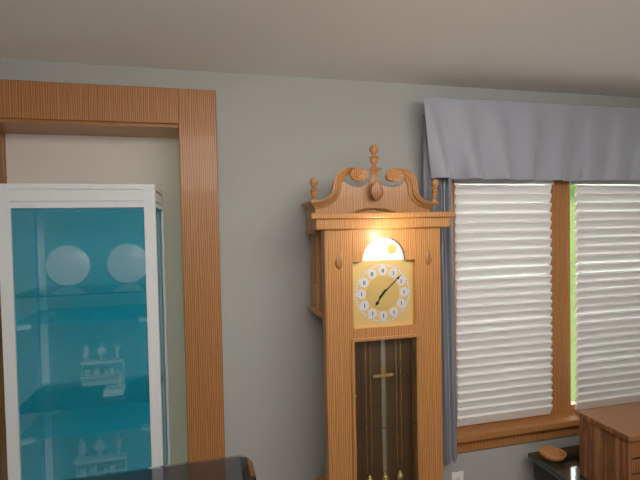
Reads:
7,08
